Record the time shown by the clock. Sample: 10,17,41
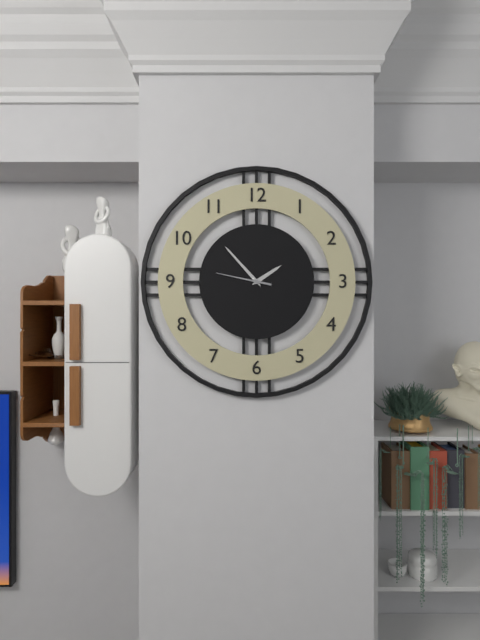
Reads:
1,53,47
